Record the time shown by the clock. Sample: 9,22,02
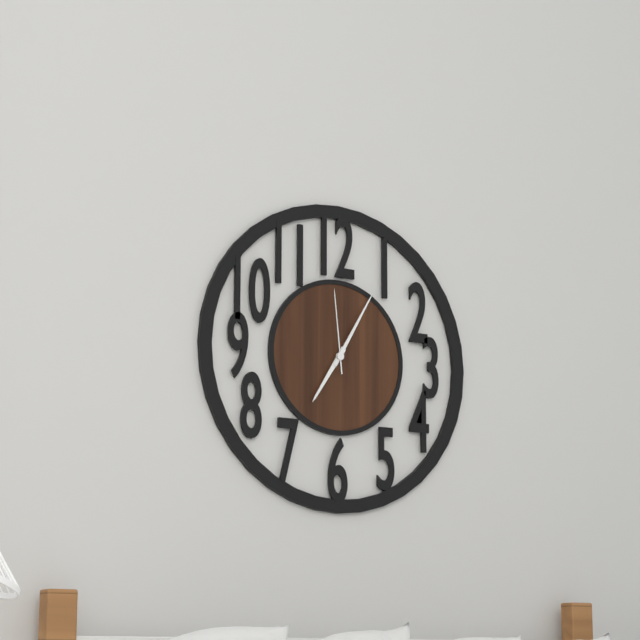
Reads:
7,05,59
